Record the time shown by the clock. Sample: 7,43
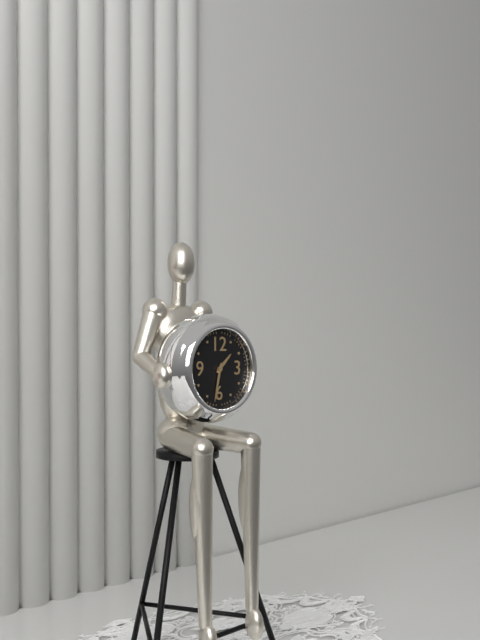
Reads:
1,32
